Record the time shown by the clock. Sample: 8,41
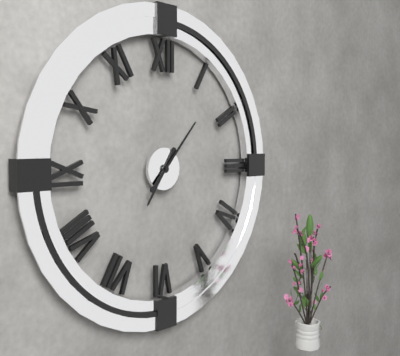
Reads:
7,07
